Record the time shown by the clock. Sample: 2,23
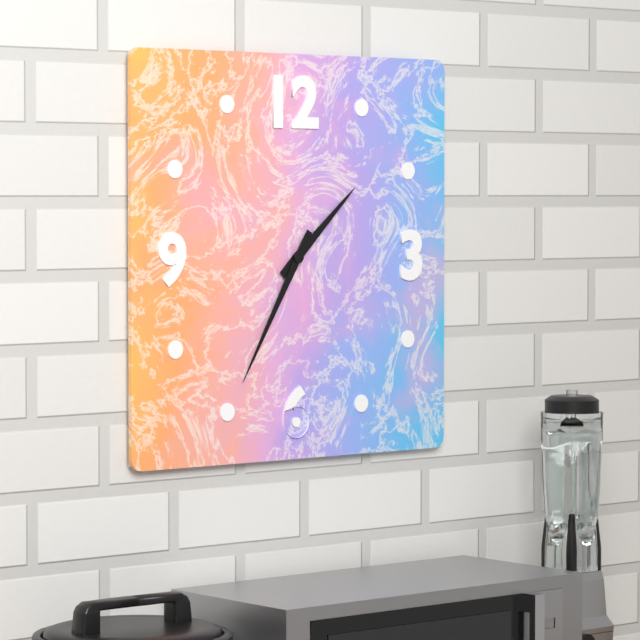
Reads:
1,35
